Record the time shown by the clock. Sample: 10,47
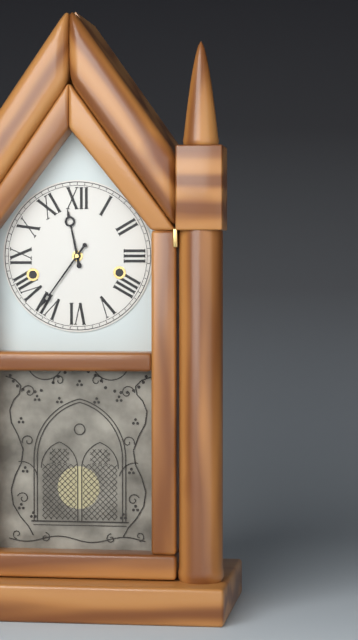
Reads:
11,36
